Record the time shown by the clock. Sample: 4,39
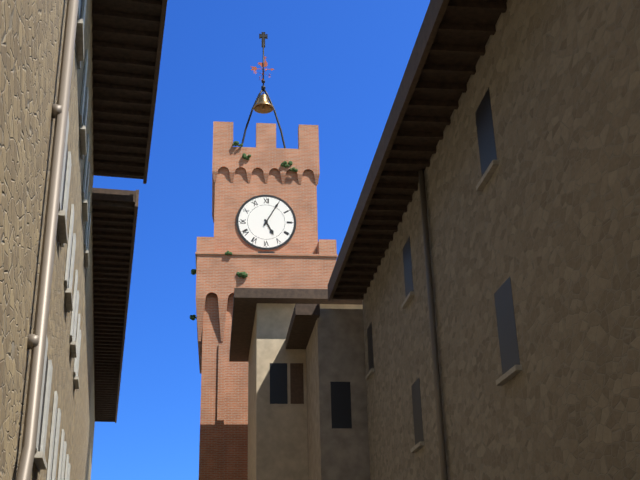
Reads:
5,05
